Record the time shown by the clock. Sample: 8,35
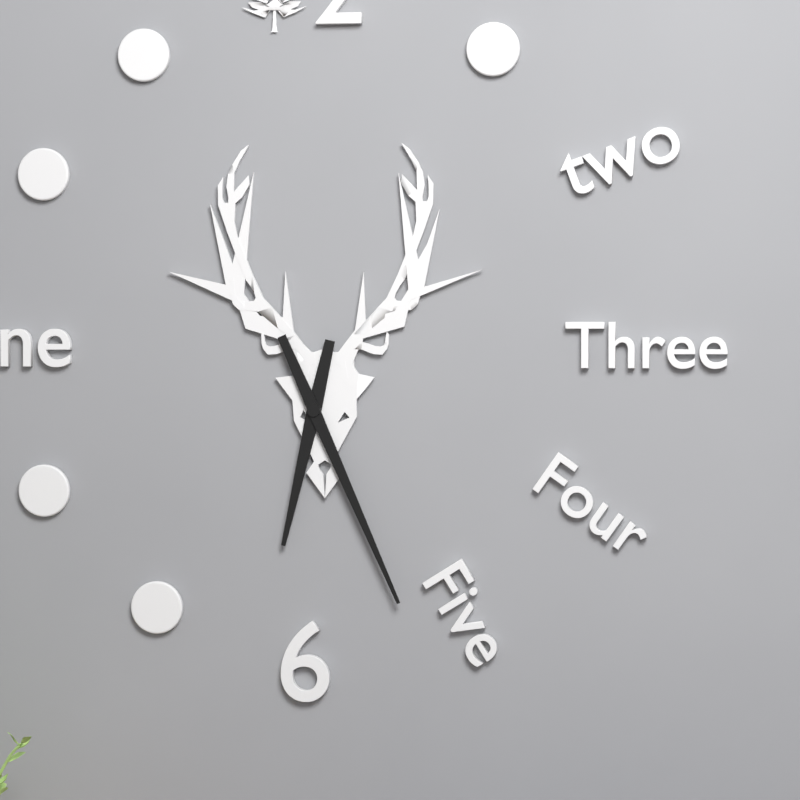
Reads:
6,26
